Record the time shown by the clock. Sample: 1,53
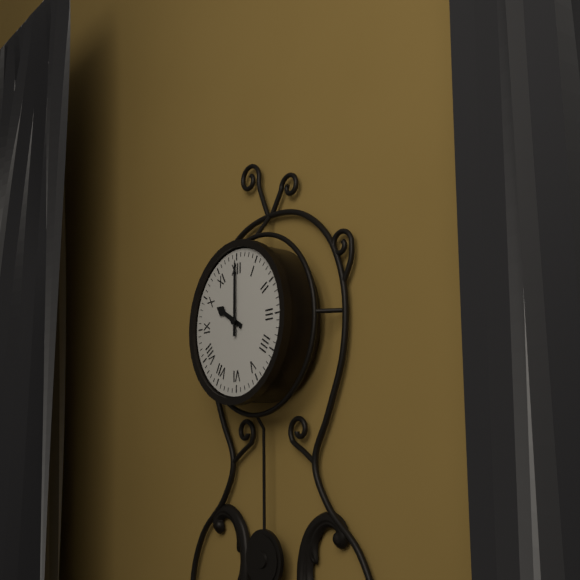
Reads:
10,00
